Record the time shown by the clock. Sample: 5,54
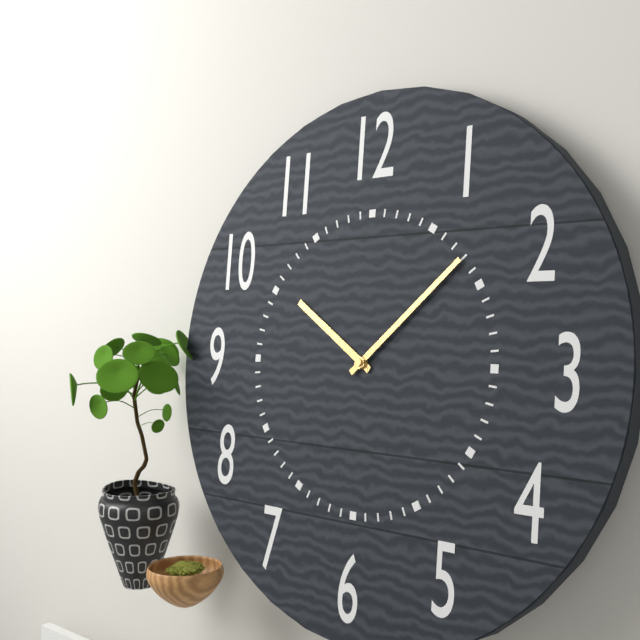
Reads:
10,08
